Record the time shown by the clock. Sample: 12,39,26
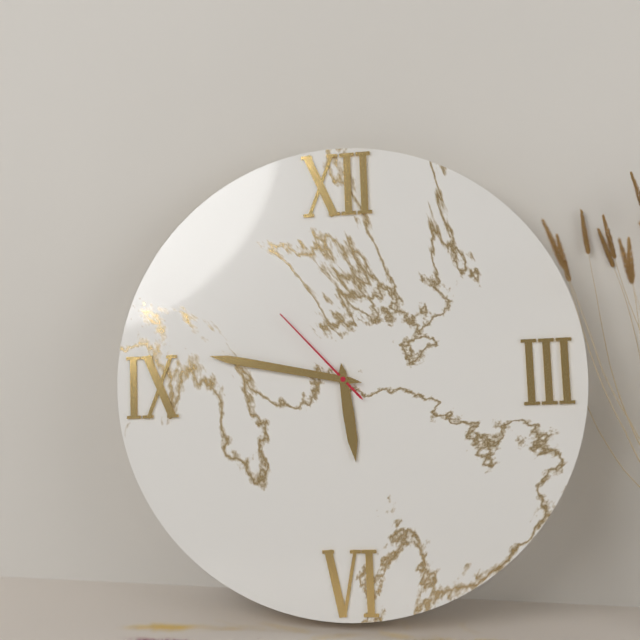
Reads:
5,47,53
